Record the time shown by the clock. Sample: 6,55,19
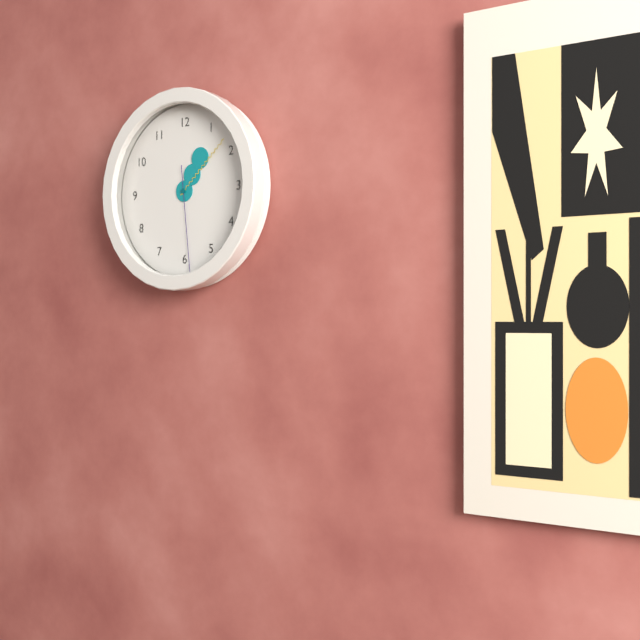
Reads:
1,08,29
